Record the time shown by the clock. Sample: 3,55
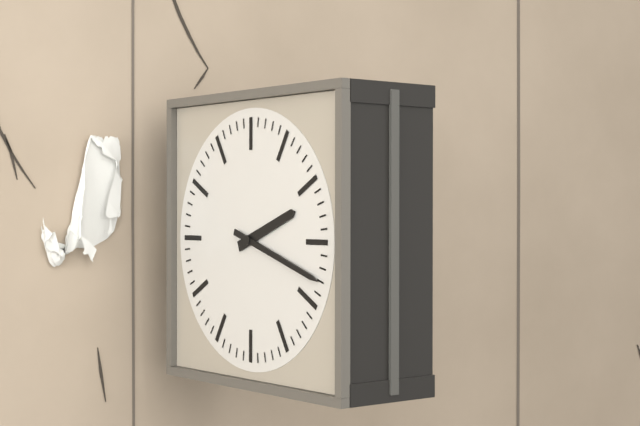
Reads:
2,18
